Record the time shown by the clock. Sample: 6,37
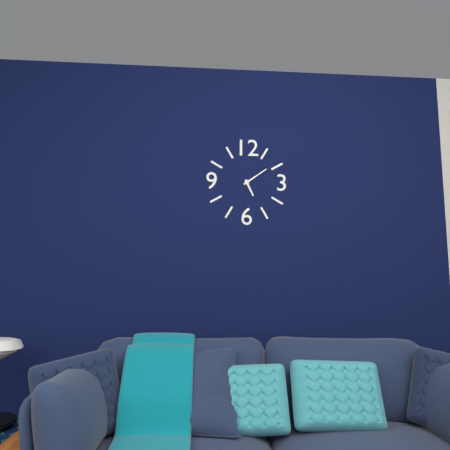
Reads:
5,09
